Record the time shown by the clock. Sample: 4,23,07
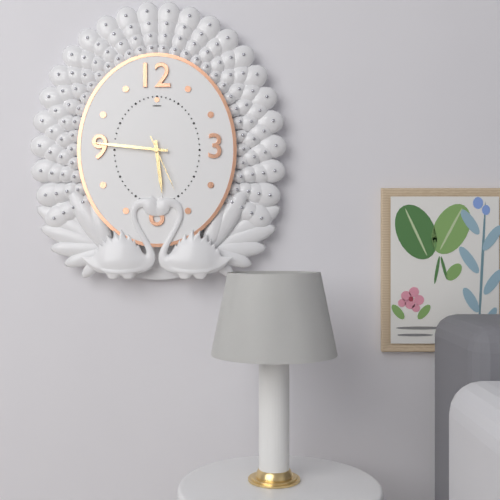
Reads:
5,46,26
